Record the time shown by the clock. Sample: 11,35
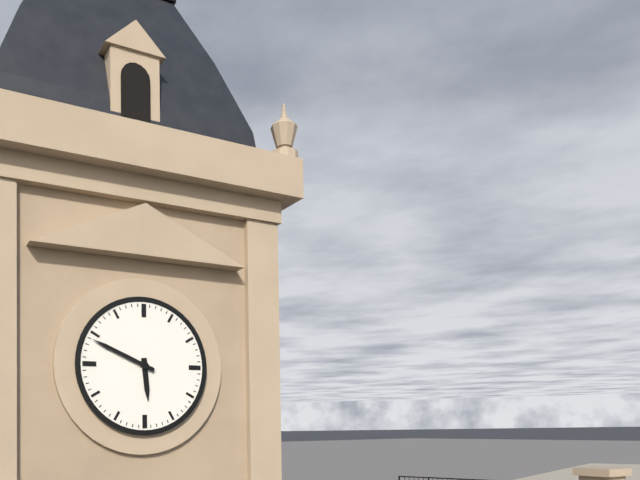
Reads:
5,49
